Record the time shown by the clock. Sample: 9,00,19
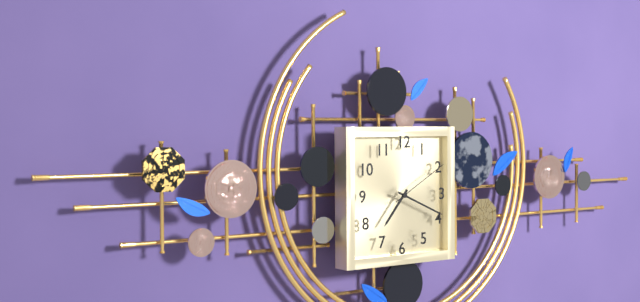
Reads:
7,19,10
